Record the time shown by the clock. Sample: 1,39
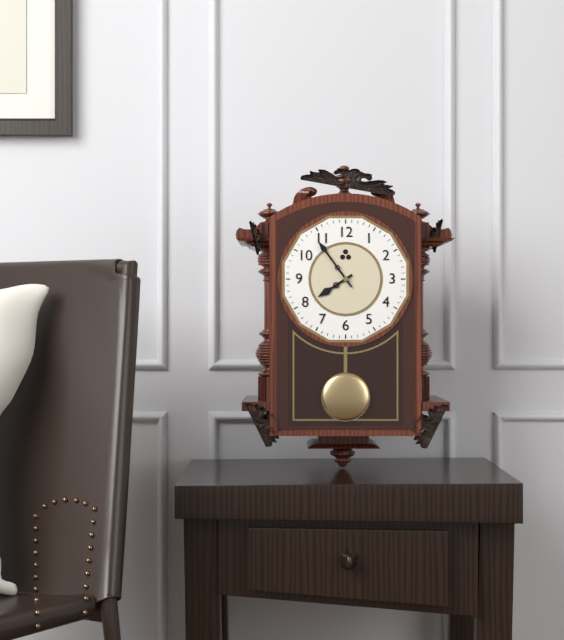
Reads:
7,54
